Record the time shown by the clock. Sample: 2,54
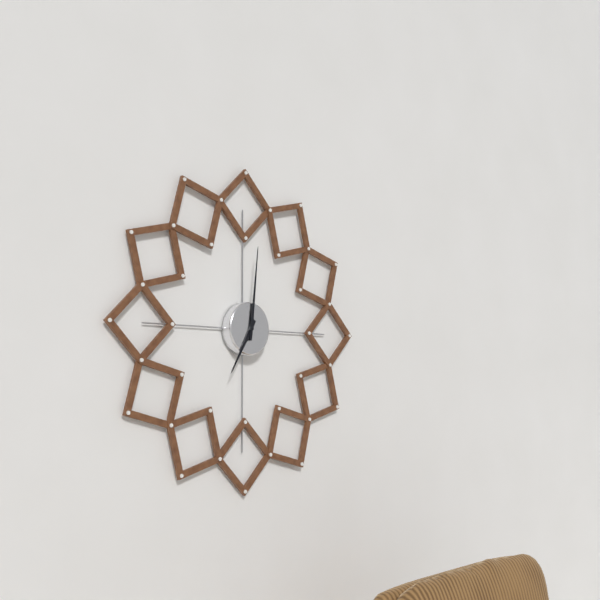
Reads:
7,01
